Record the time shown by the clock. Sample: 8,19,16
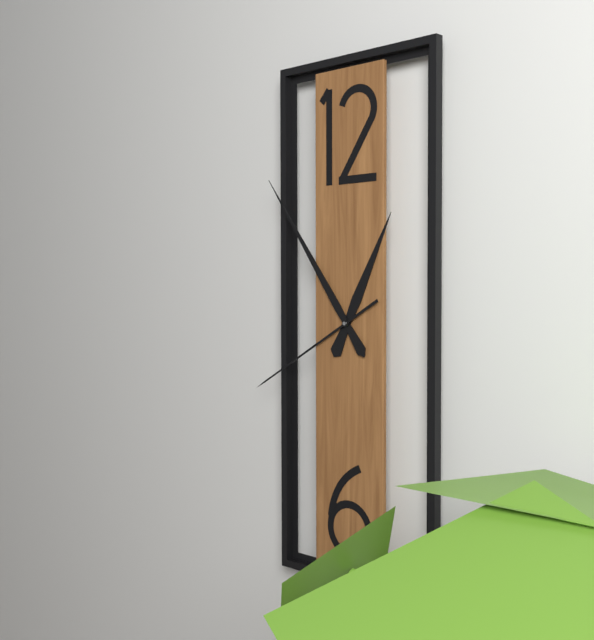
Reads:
12,54,40
